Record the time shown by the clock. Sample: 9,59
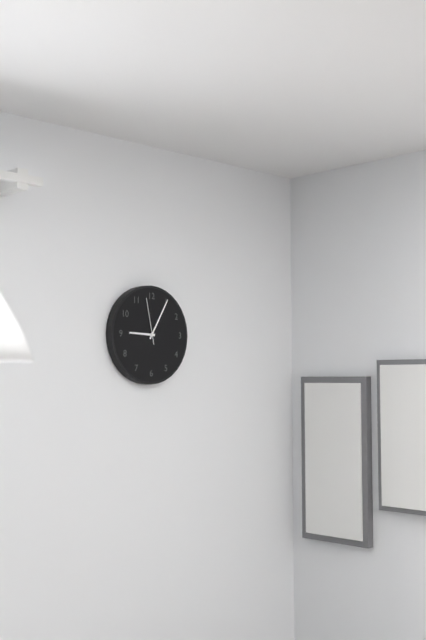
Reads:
9,05
